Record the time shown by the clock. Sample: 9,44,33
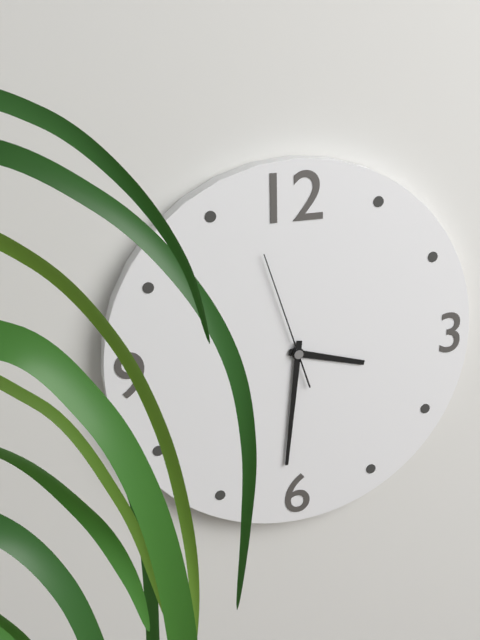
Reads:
3,31,57
